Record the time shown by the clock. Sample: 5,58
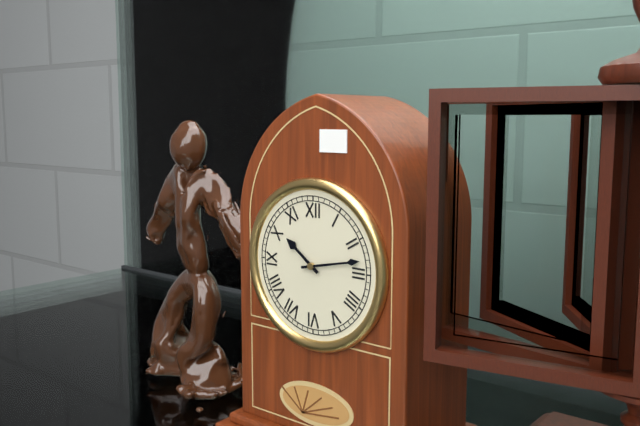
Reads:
10,13
